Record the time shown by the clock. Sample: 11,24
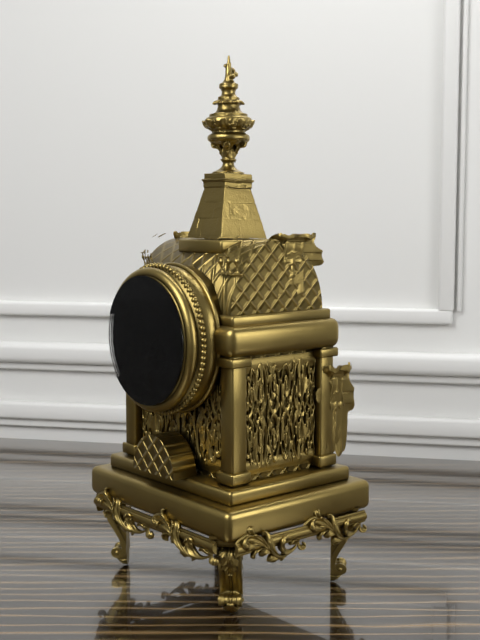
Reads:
6,37
